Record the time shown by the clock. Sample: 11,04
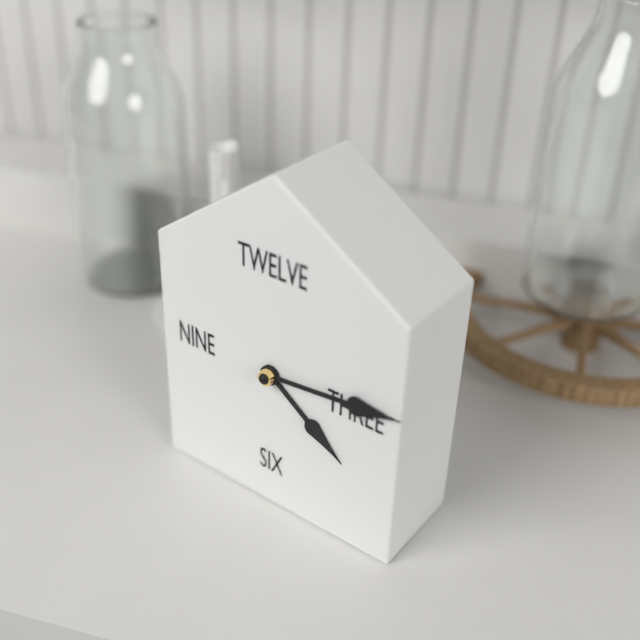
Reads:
4,14
